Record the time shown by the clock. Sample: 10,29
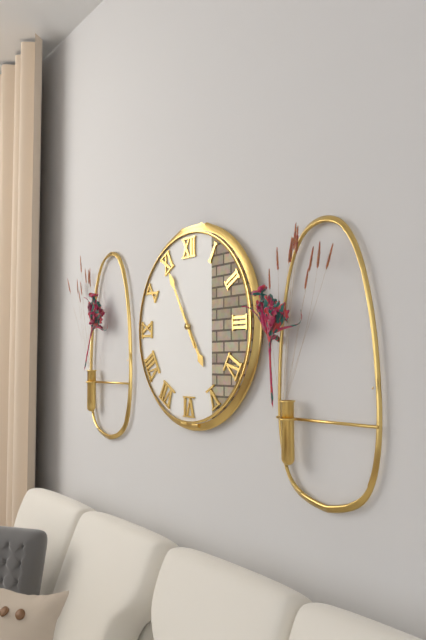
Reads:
4,55
